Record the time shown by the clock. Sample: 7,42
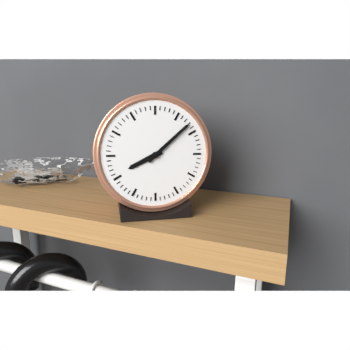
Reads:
8,08
